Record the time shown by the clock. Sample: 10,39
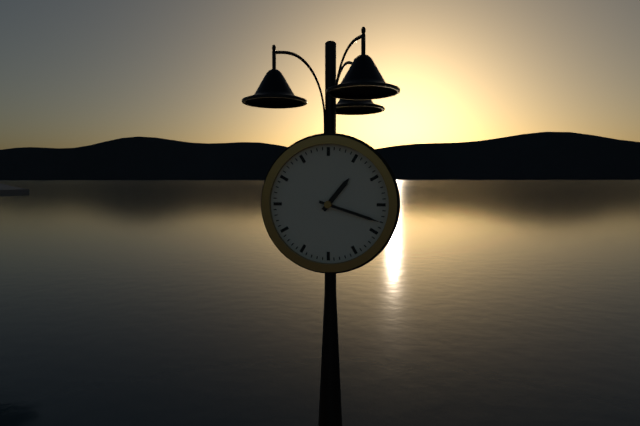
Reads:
1,18
